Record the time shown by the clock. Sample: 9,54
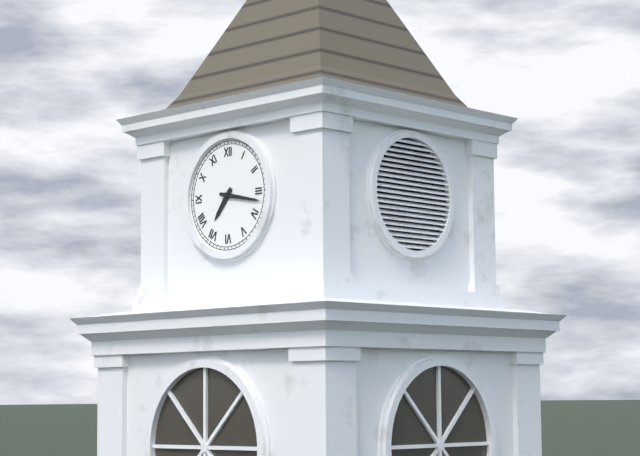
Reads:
7,17
